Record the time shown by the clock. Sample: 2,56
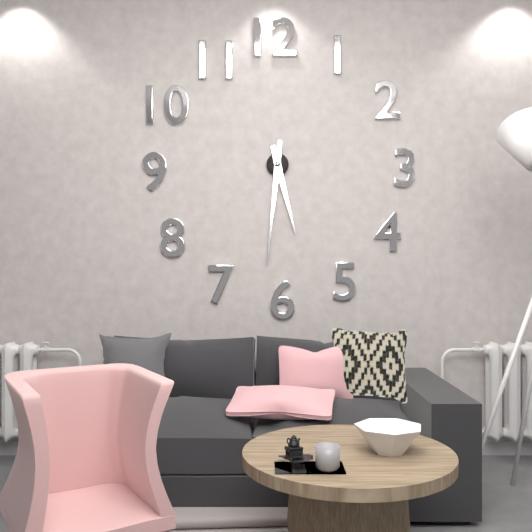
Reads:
5,31
